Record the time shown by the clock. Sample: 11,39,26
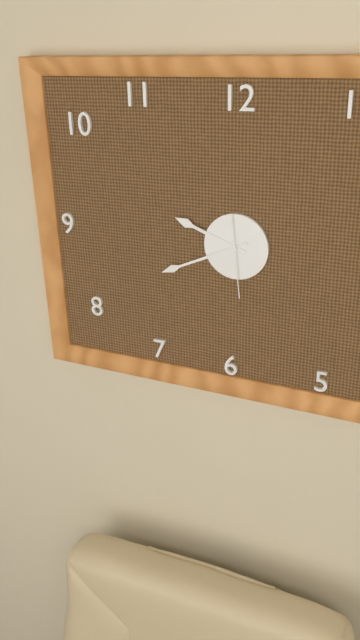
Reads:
9,41,29
